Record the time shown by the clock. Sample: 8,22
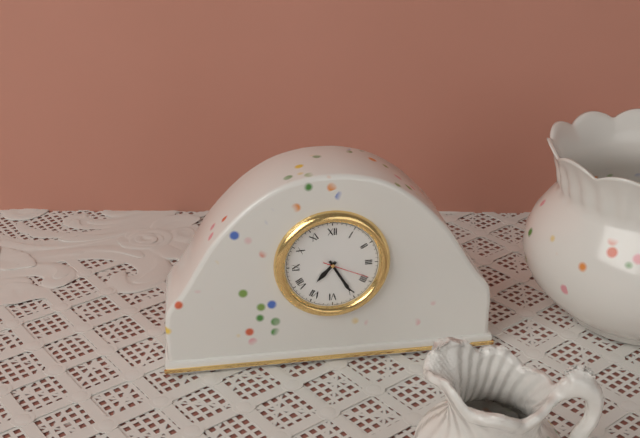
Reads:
7,25
